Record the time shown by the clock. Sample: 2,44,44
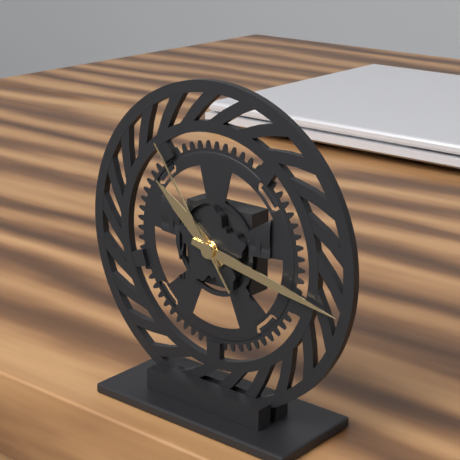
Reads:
10,17,54
